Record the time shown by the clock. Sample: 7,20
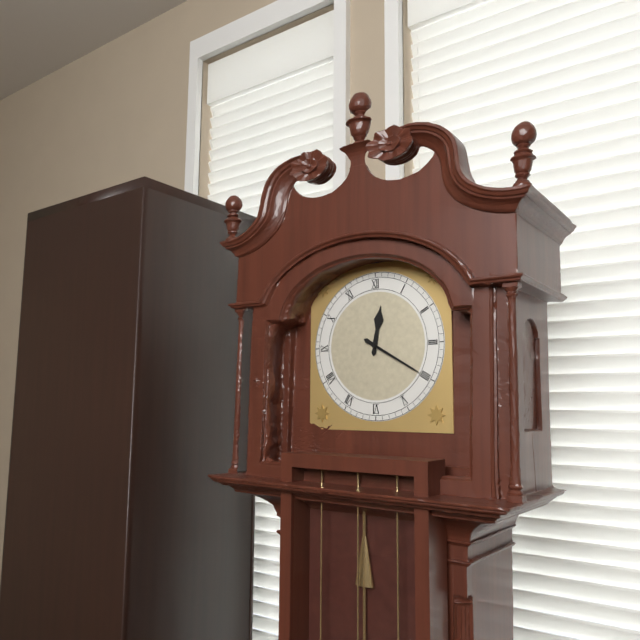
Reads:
12,20
